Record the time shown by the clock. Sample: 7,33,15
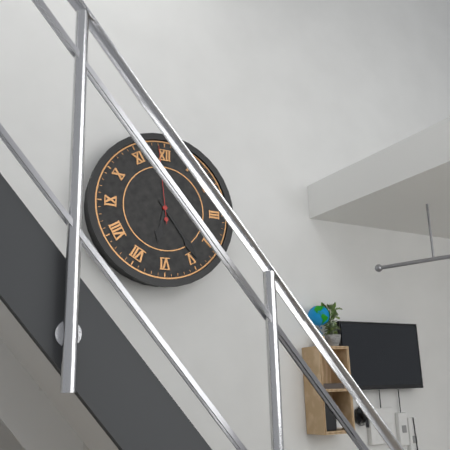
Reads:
6,24,59
